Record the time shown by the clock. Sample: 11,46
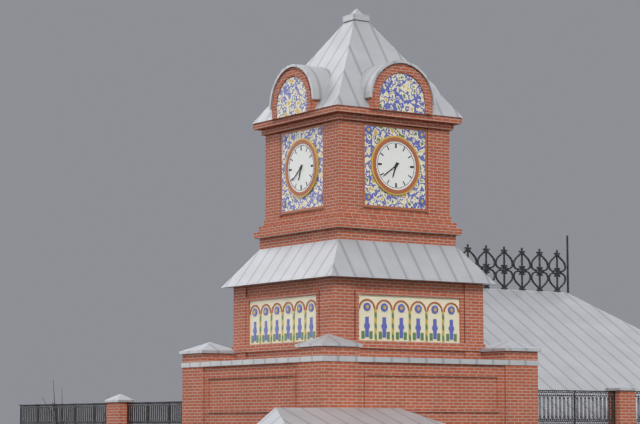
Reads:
6,39
